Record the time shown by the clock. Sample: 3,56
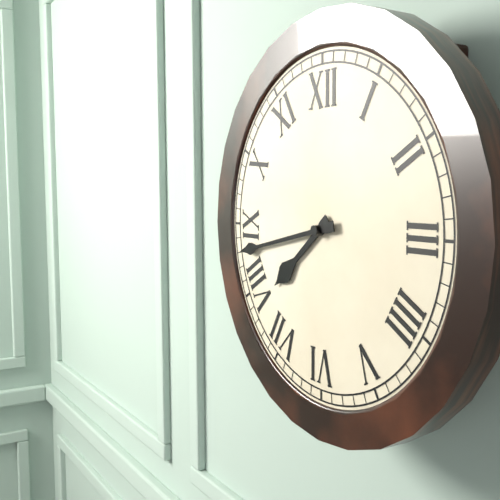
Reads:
7,43
